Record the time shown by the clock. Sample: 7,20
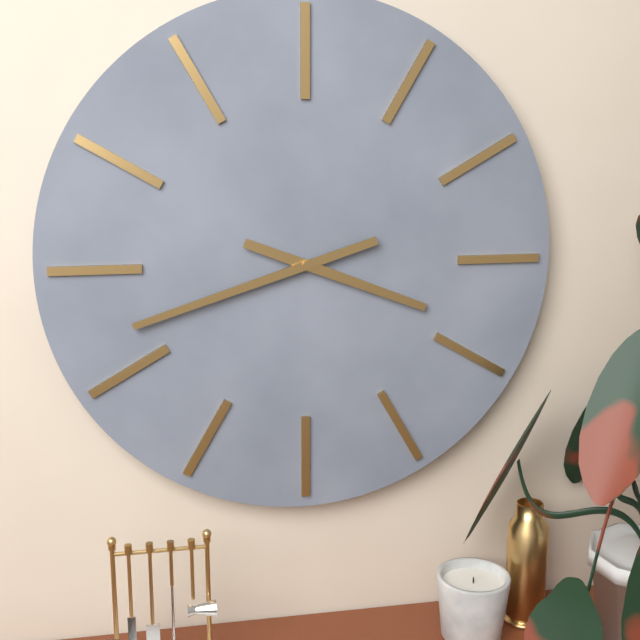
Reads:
3,42
